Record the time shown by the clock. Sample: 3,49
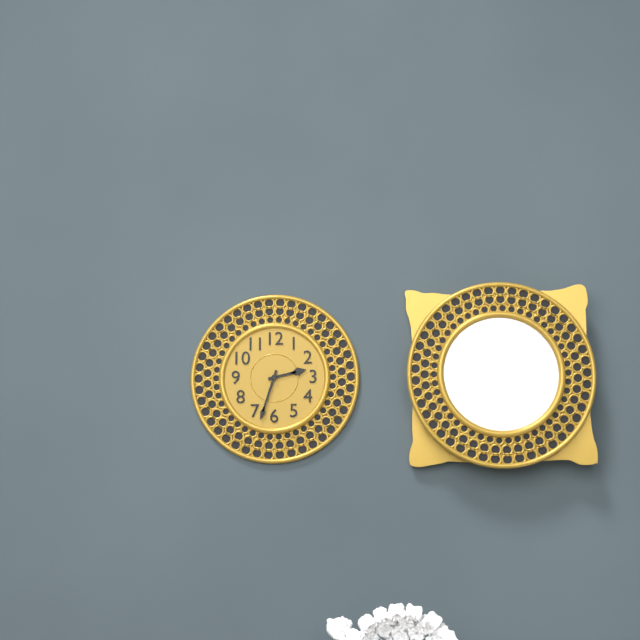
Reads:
2,33
